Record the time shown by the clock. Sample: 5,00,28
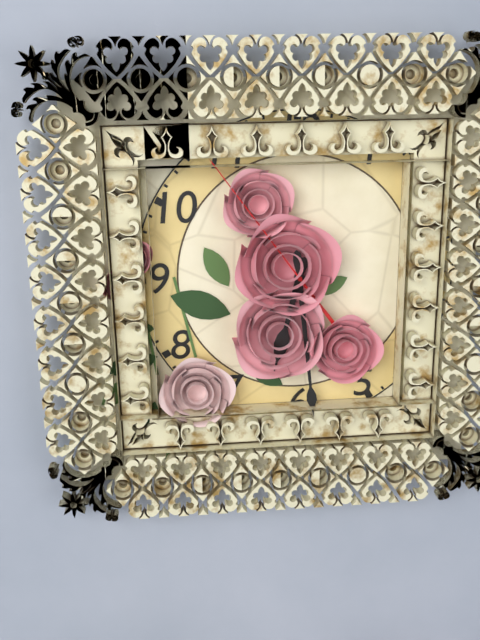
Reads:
6,29,54
